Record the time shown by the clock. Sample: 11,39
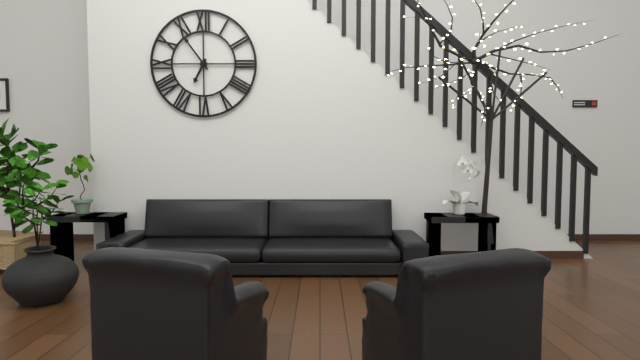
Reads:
6,54
